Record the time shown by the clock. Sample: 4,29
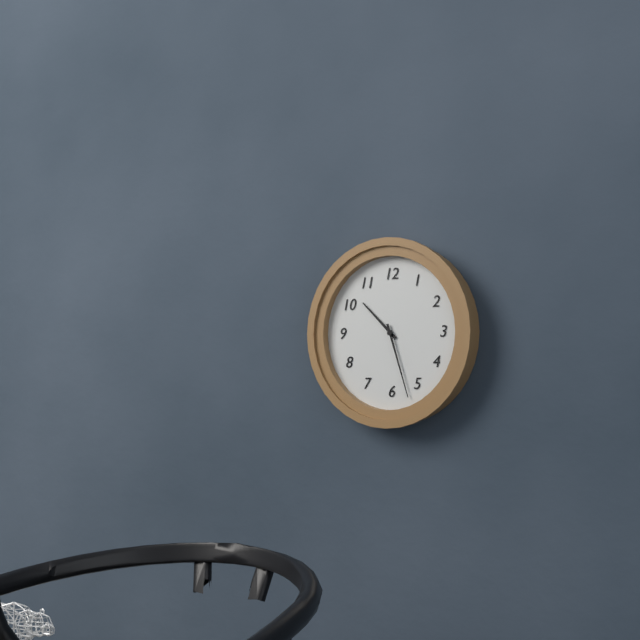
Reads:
10,27
